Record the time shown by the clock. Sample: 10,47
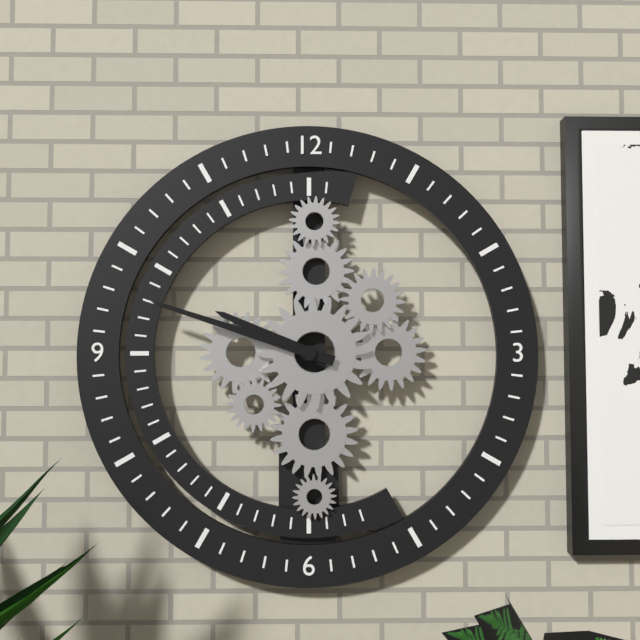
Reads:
9,48
